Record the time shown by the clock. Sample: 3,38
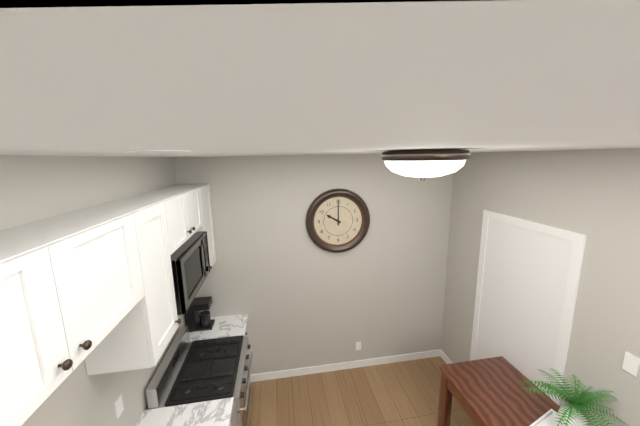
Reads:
10,00
